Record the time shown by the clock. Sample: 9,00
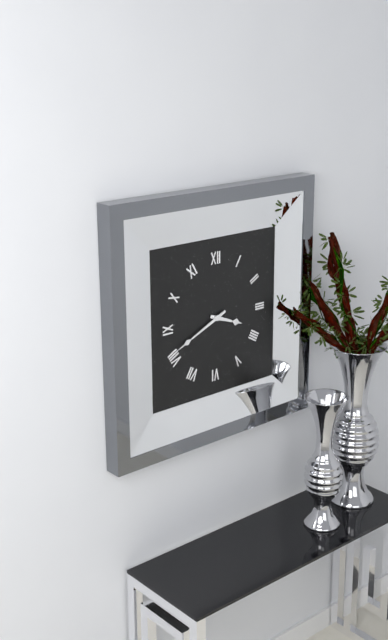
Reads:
3,41
